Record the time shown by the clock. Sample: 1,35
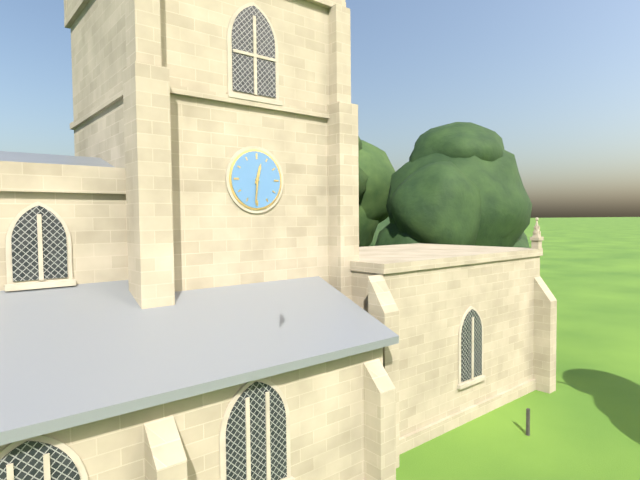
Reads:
12,31
